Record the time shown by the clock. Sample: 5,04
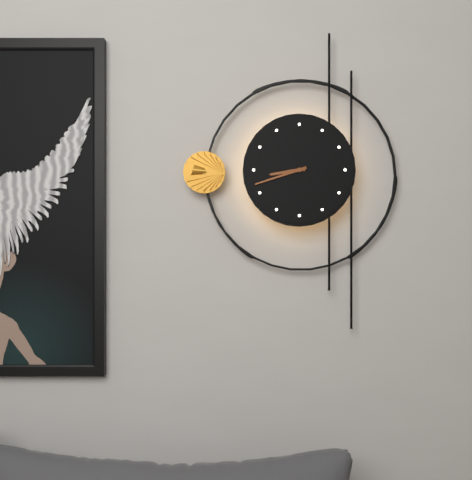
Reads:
8,42
